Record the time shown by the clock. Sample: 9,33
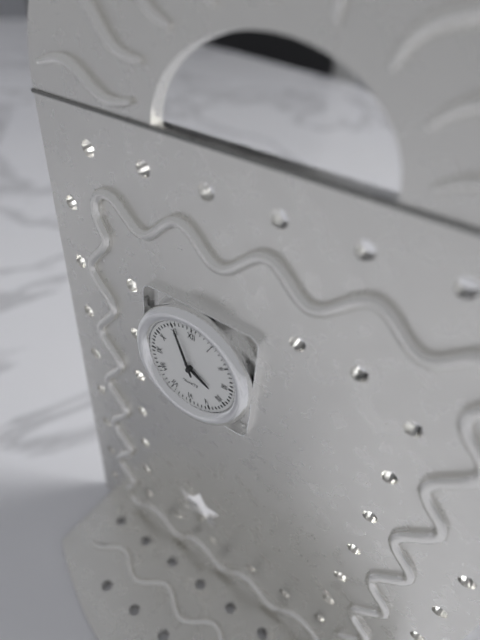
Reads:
3,56
